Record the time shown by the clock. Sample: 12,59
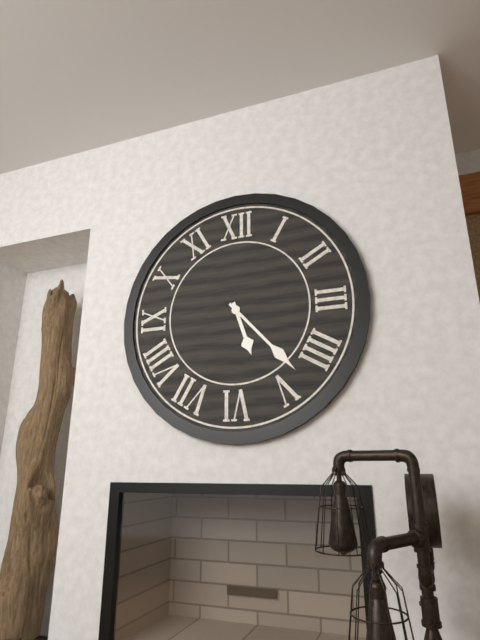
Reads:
5,23
